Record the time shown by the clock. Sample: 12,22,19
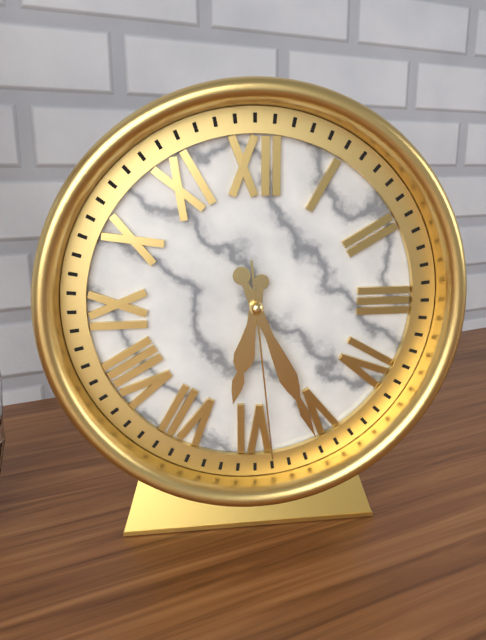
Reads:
6,26,29
